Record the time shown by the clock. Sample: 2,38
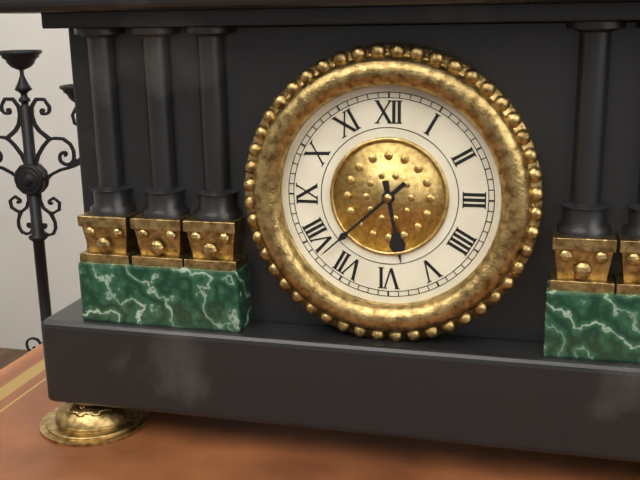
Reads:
5,38
